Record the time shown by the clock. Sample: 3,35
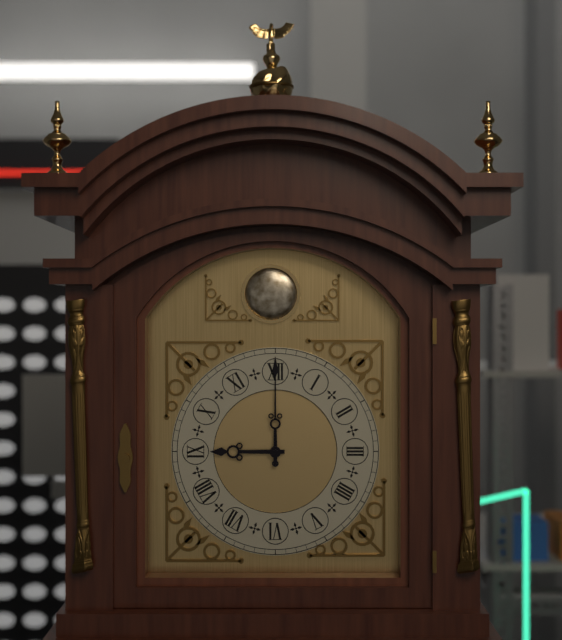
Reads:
9,00
